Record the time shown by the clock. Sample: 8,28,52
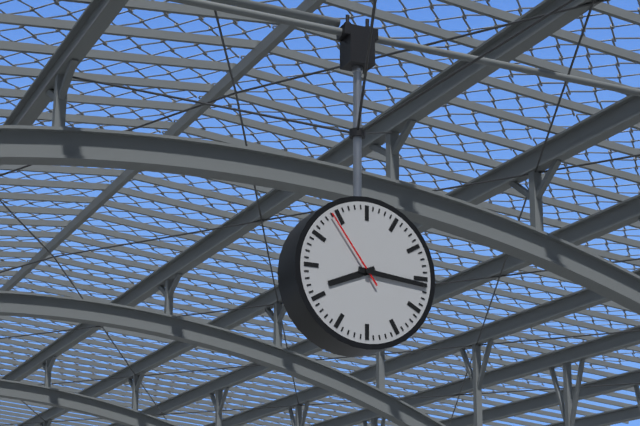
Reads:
8,16,54
